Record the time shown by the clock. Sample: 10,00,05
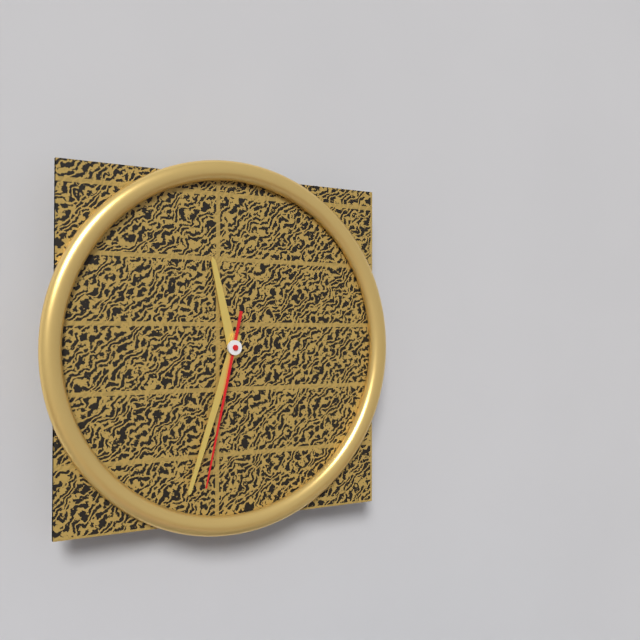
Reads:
11,33,32
